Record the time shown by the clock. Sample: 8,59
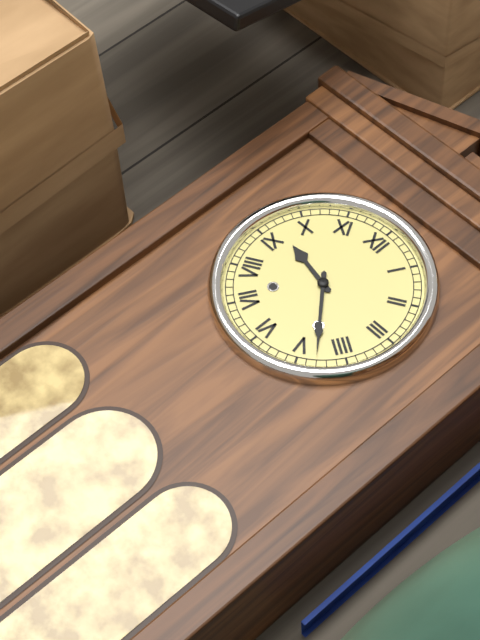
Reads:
9,23
